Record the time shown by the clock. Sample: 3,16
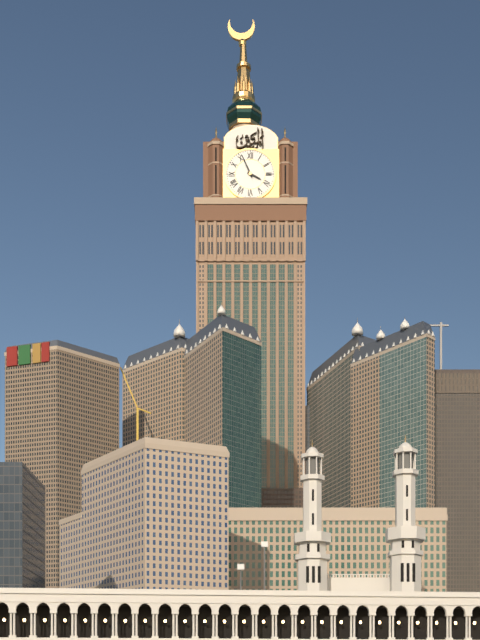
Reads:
3,56
